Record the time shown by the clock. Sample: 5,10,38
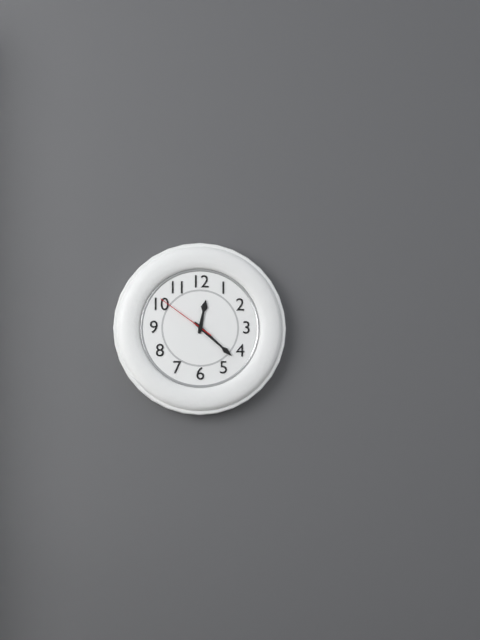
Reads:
12,22,51
